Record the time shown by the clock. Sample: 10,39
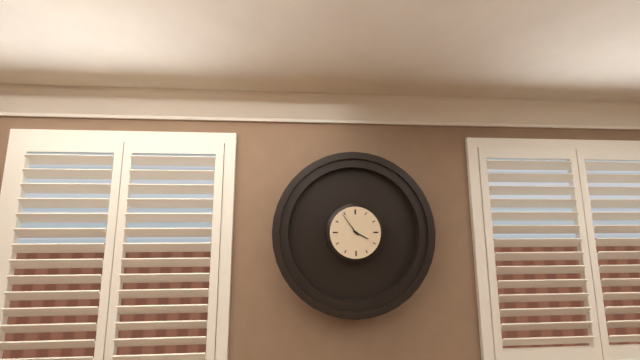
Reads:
3,54
